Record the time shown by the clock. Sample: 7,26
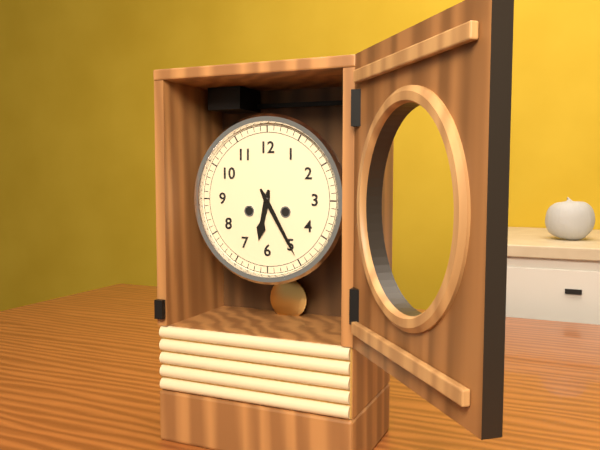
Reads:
6,25
